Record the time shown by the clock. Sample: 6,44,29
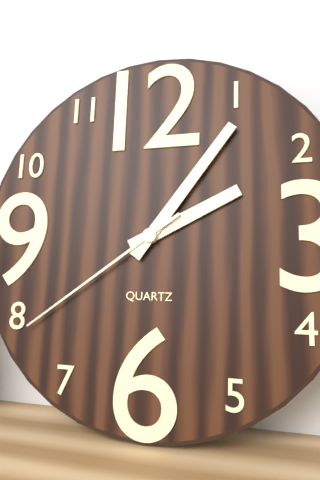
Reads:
2,06,39
